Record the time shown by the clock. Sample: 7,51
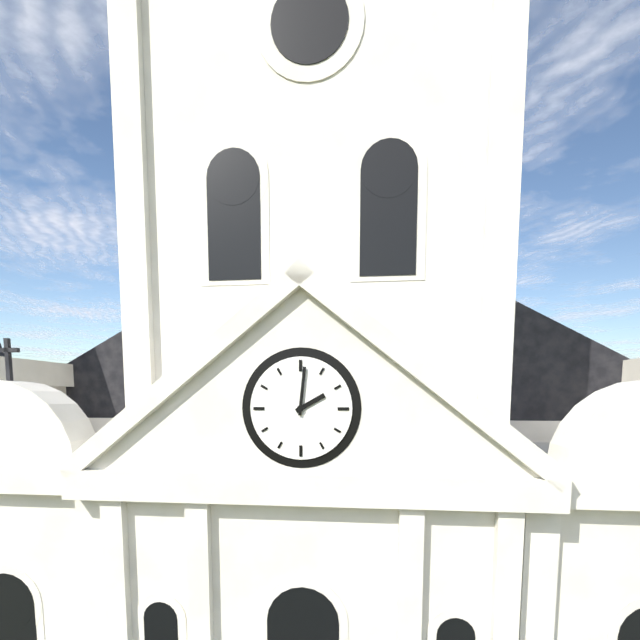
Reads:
2,01
